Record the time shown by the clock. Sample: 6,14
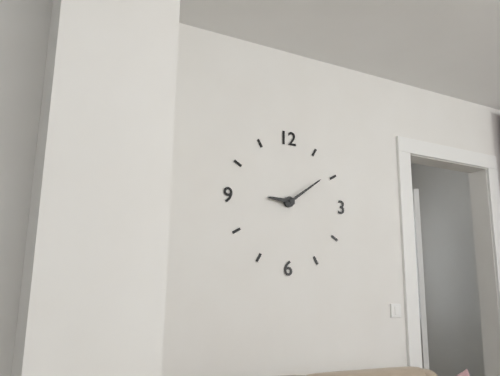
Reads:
9,09
